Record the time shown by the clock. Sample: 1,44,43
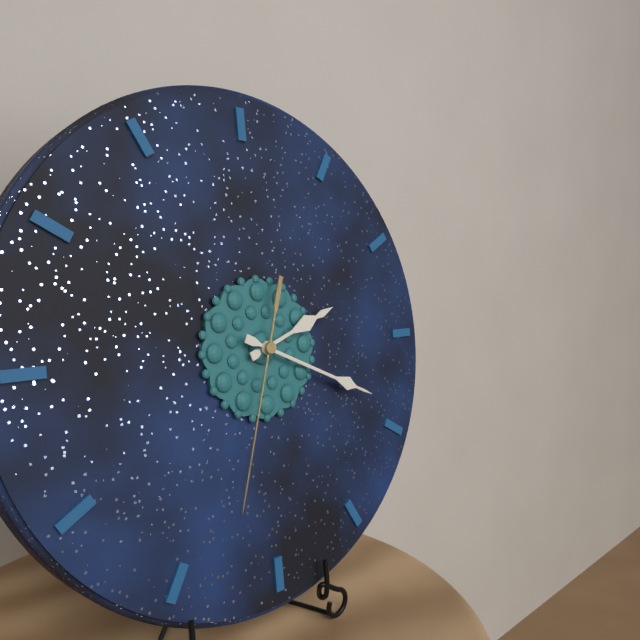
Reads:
2,19,33
